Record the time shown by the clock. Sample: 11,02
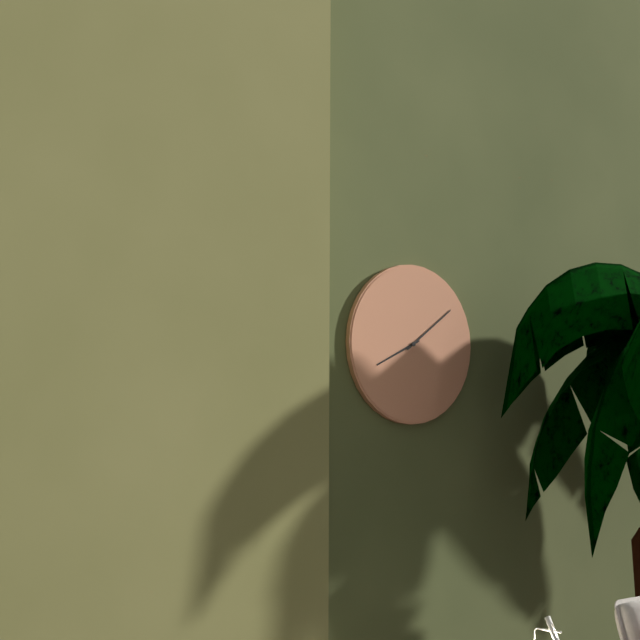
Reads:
8,09
